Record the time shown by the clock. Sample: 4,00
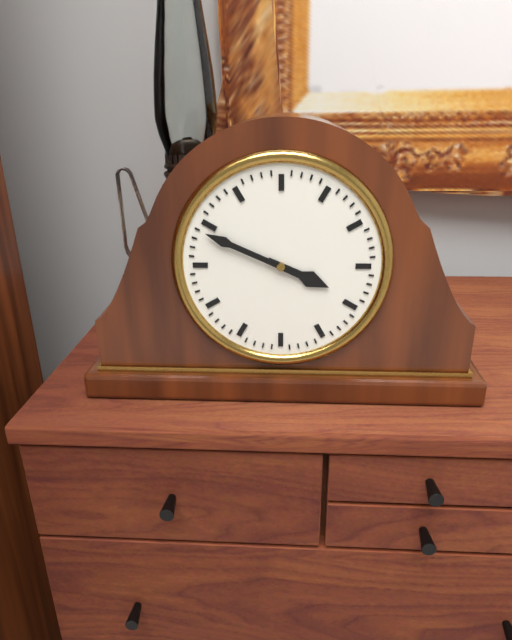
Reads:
3,49
